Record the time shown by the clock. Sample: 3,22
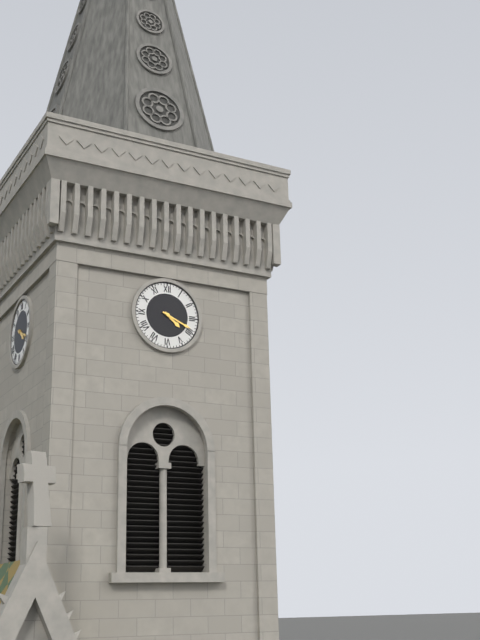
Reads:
4,19
